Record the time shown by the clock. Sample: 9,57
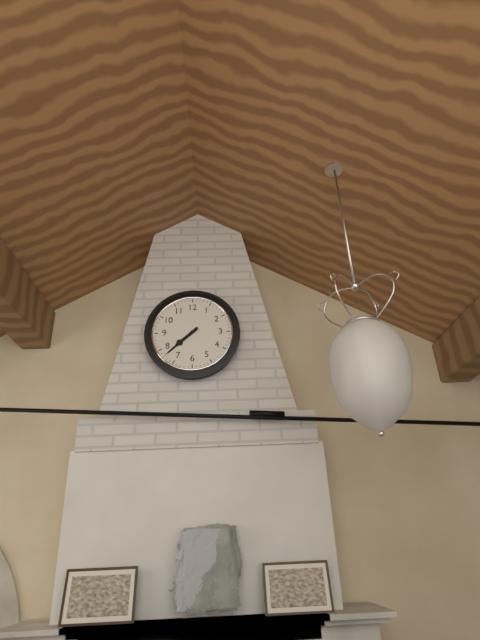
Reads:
7,38
